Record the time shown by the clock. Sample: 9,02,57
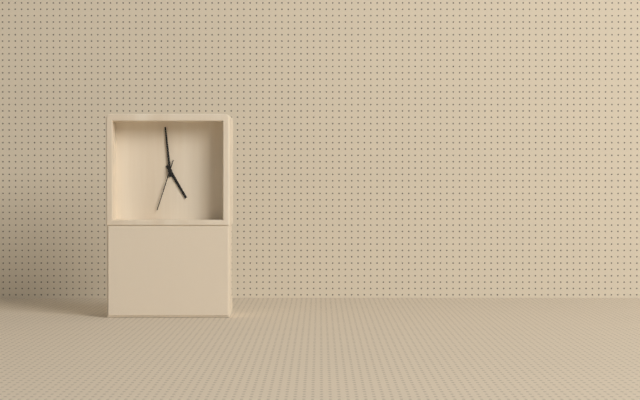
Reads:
4,59,33
